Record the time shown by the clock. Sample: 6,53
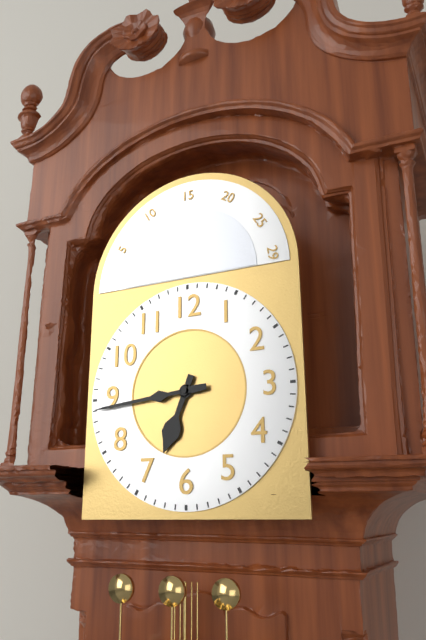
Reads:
6,44
